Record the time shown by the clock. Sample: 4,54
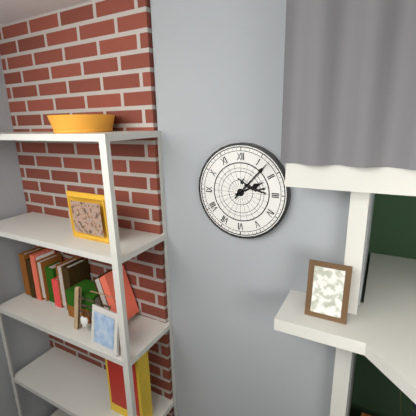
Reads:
2,07
